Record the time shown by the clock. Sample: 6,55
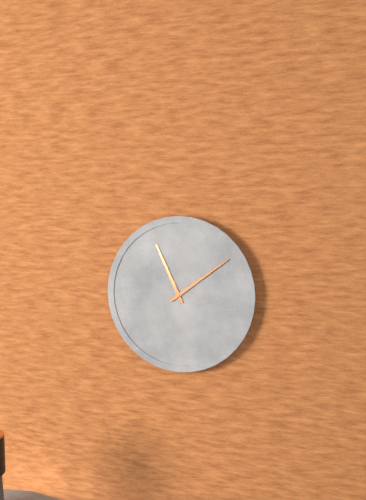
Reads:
11,09
